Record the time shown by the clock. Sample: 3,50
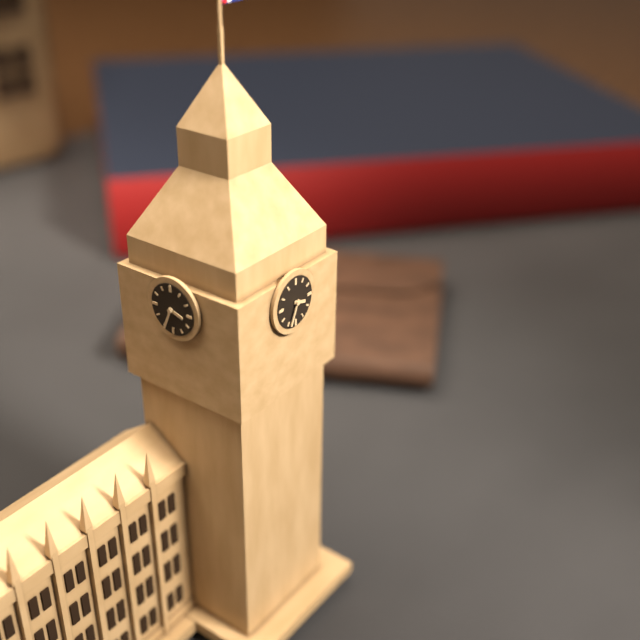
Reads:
3,34
